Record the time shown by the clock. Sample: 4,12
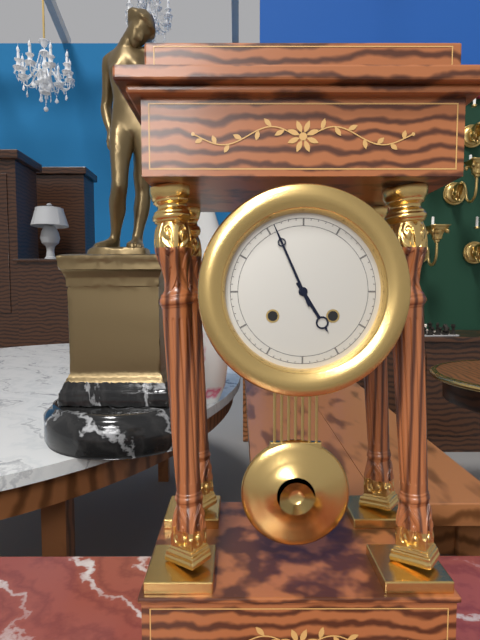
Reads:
4,56
